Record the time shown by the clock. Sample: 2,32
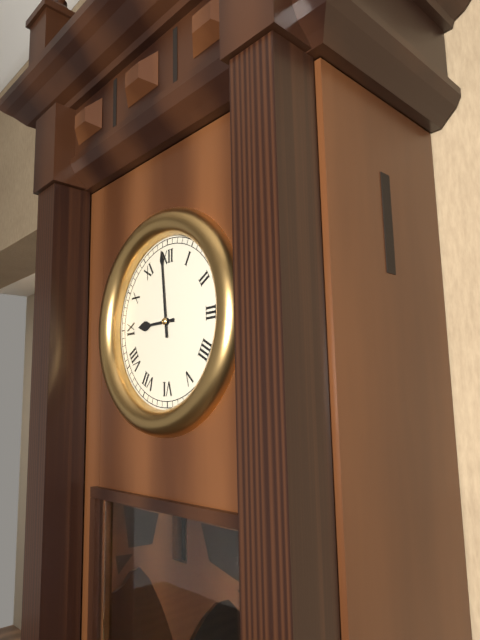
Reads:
8,59
